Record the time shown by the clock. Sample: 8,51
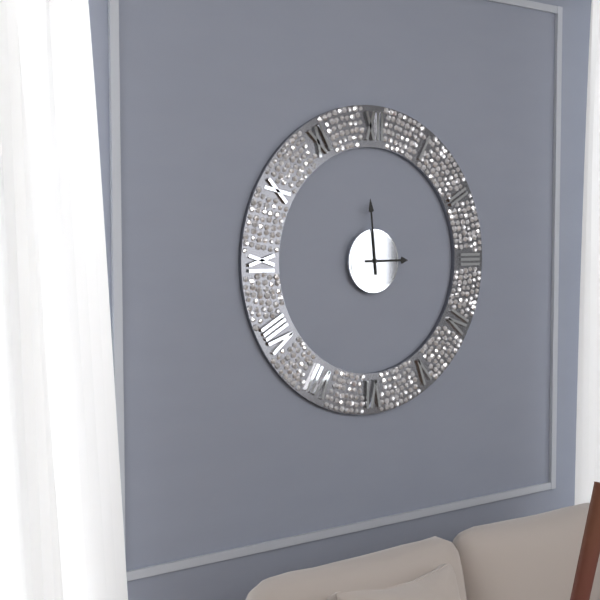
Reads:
2,59
